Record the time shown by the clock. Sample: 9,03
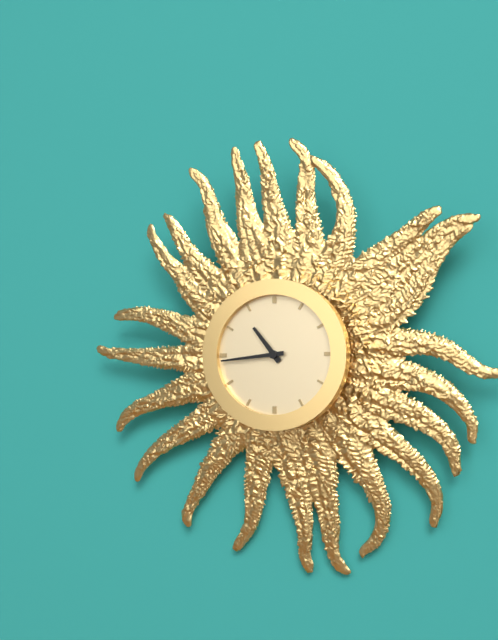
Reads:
10,44
